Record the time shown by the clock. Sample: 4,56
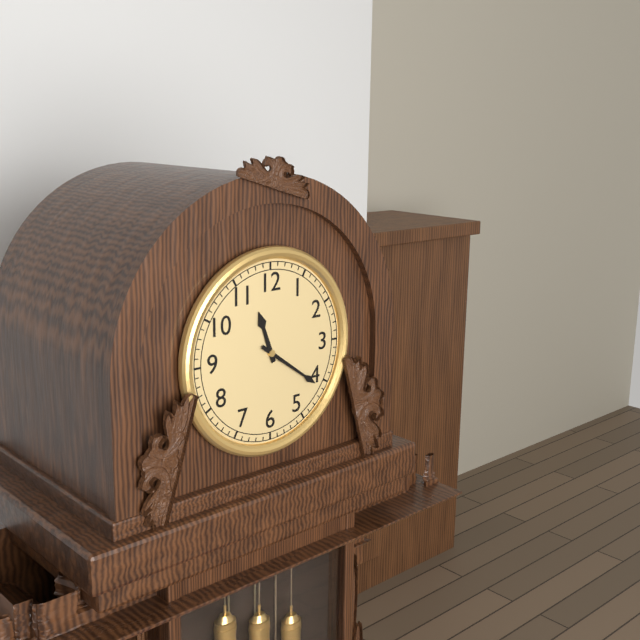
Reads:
11,21
